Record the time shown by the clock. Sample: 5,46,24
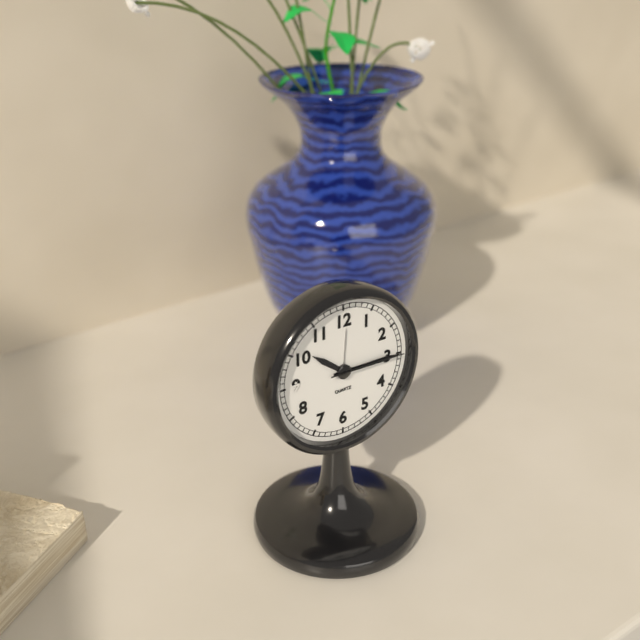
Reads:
10,15,15
